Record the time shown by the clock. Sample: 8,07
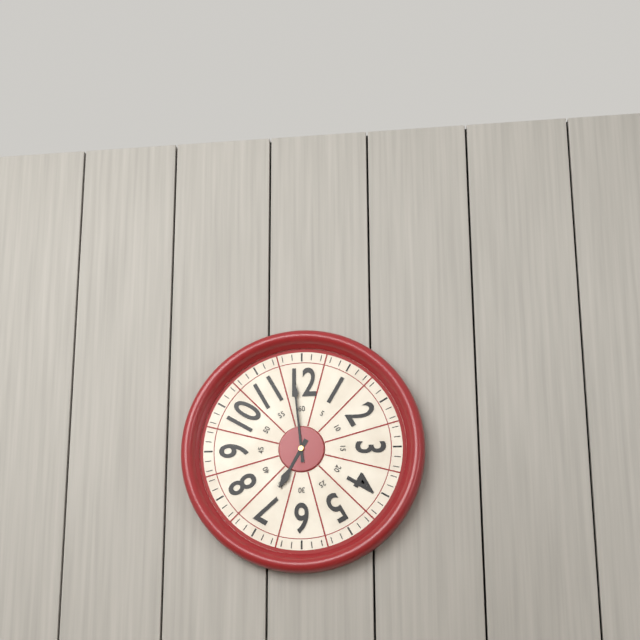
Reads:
6,59
